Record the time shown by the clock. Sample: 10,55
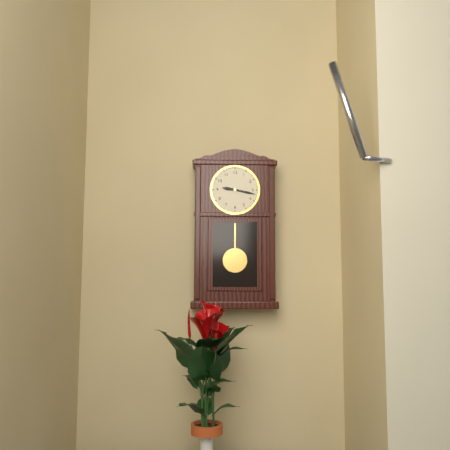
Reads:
9,17
